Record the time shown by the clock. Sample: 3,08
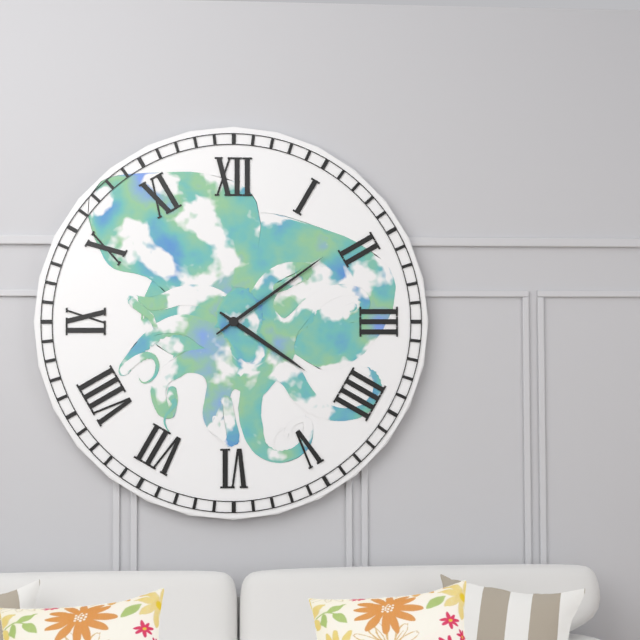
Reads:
4,09
